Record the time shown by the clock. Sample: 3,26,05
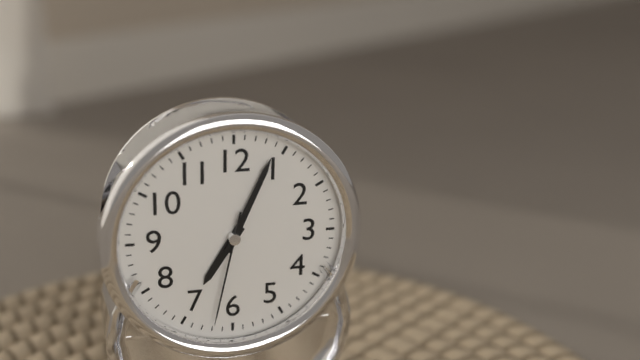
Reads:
7,04,32
